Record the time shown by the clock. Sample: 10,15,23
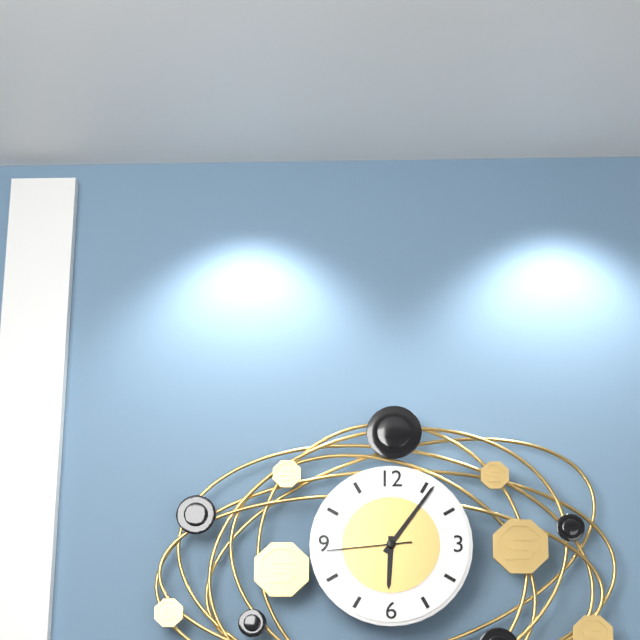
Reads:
6,06,44
